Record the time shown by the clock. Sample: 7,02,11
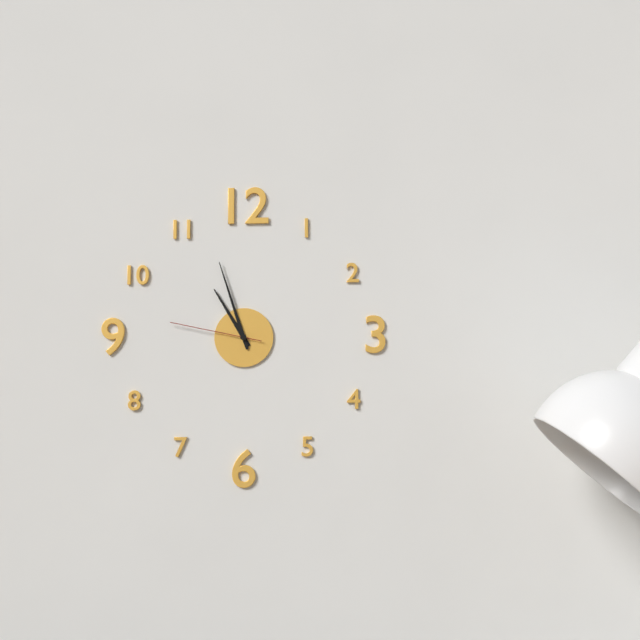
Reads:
10,57,47
